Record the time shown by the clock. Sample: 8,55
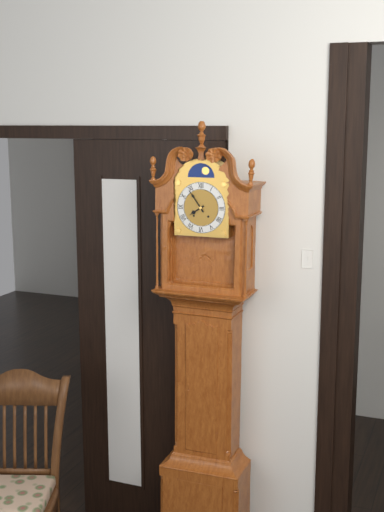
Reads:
7,54
